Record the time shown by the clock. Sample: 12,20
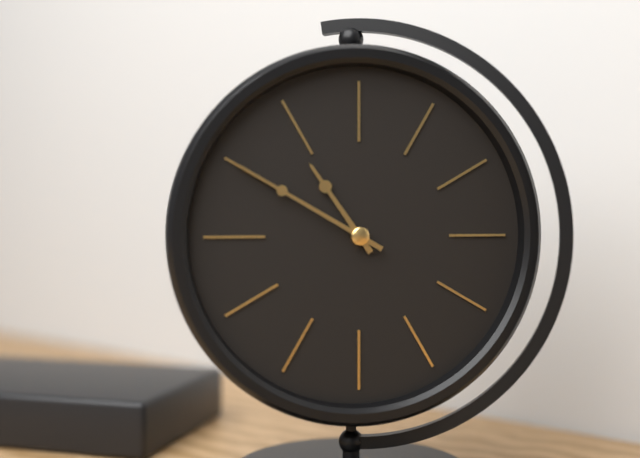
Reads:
10,50
